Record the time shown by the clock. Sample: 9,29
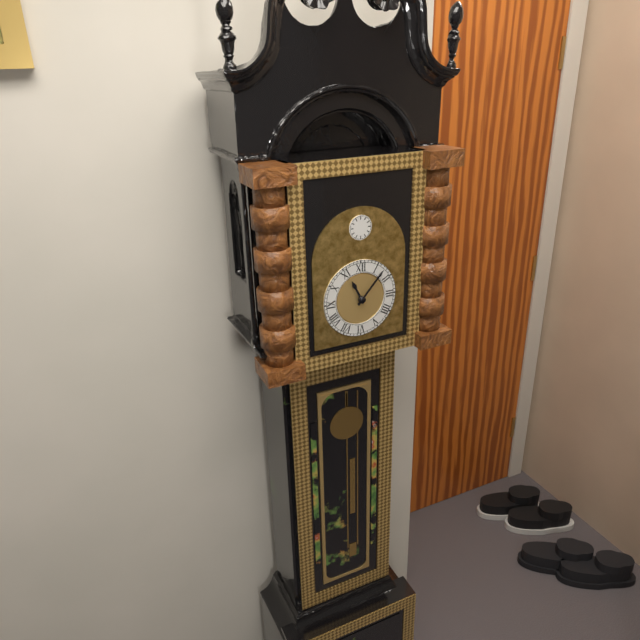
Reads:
11,07
